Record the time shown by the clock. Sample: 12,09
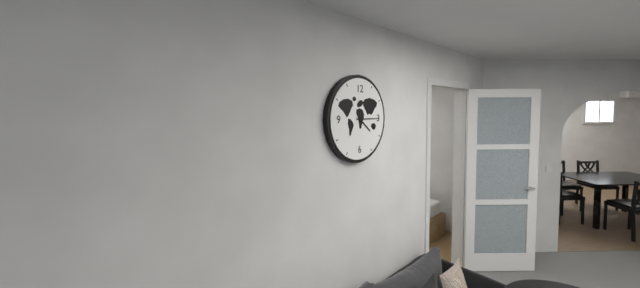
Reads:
4,15
